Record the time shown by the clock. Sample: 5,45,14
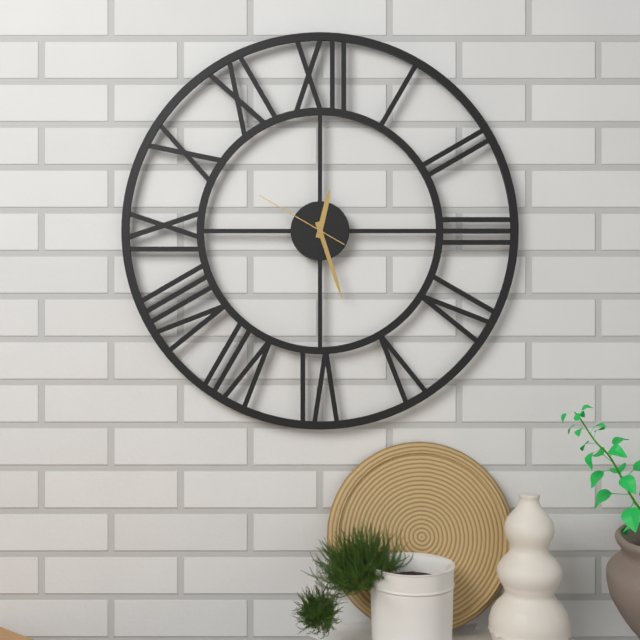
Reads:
12,27,50
